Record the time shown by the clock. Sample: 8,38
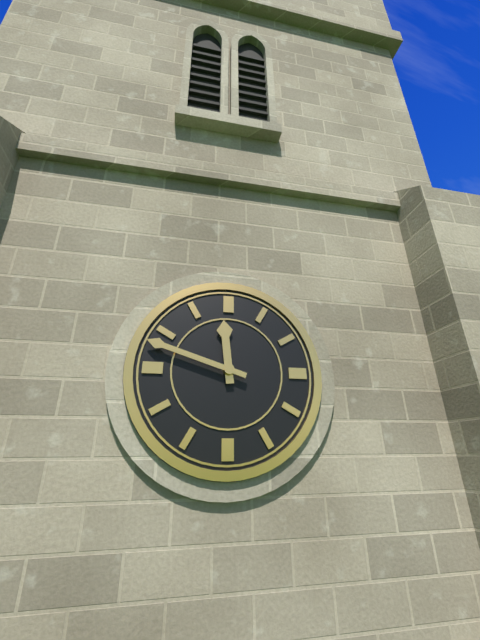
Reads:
11,48
